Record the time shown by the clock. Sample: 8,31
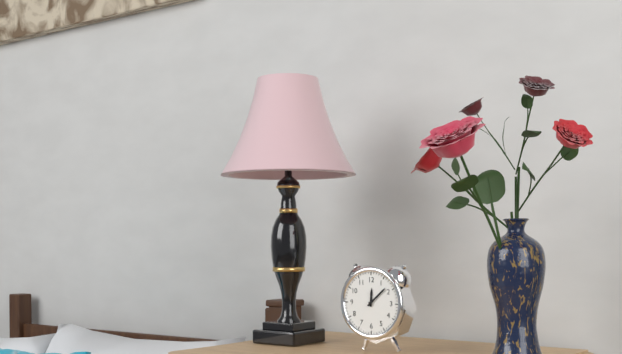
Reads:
12,08
